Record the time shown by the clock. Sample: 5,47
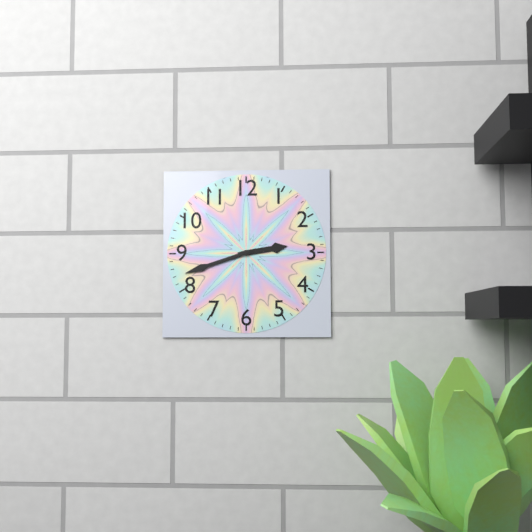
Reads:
2,42
